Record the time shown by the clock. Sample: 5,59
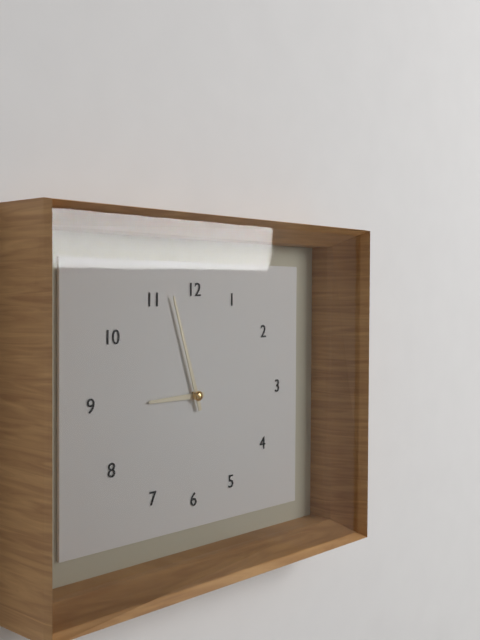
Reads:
8,57
